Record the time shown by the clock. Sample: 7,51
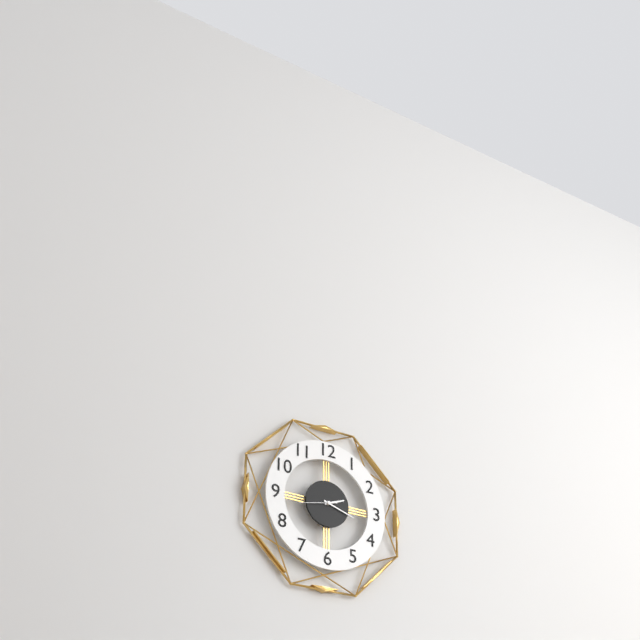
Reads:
2,18
